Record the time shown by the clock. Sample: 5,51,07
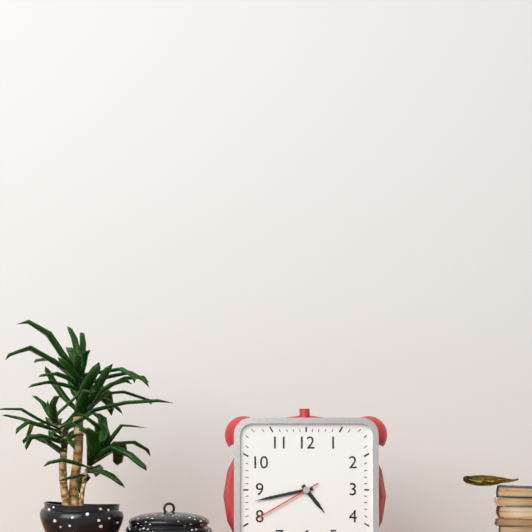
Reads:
4,43,40
